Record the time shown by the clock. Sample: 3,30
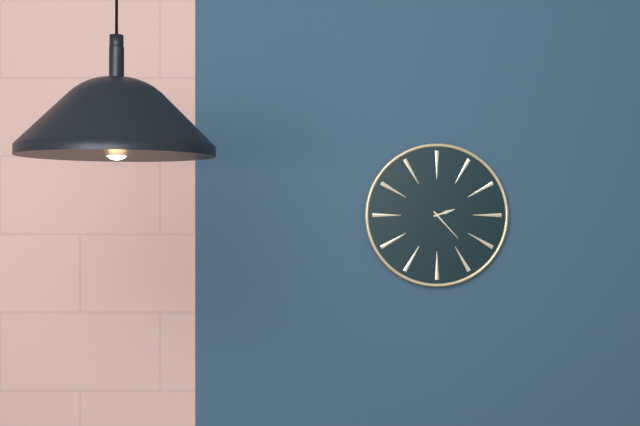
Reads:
2,23
